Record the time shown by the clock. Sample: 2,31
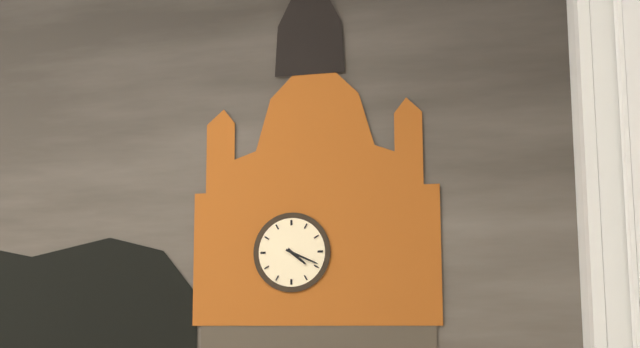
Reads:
4,19
